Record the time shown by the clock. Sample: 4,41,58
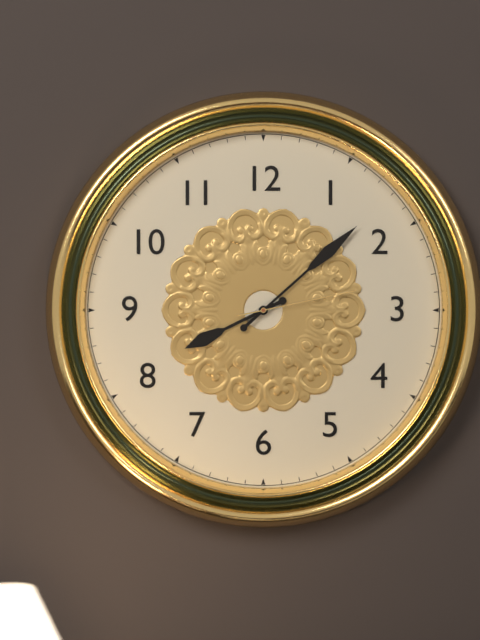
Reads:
8,08,13
